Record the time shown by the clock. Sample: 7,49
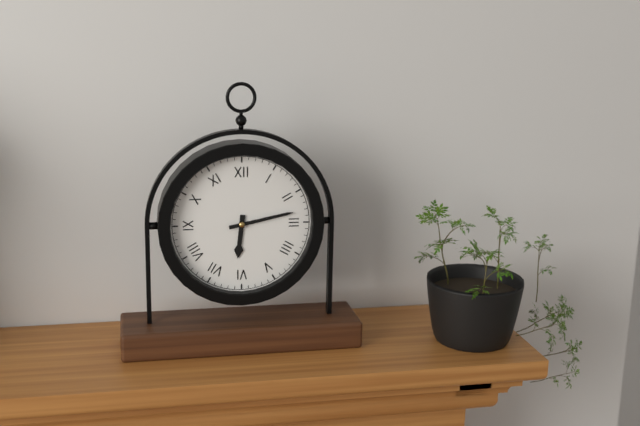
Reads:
6,13
